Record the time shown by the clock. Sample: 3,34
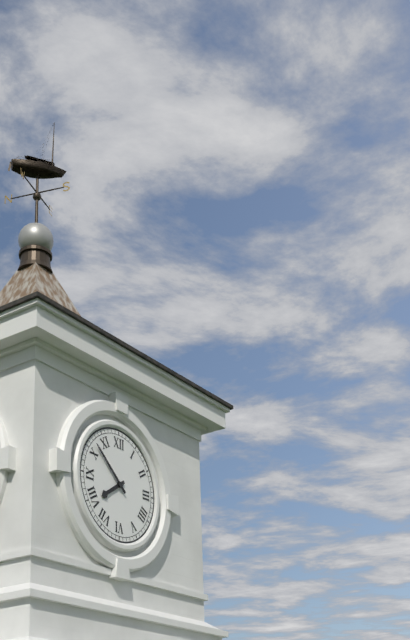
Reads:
7,52
